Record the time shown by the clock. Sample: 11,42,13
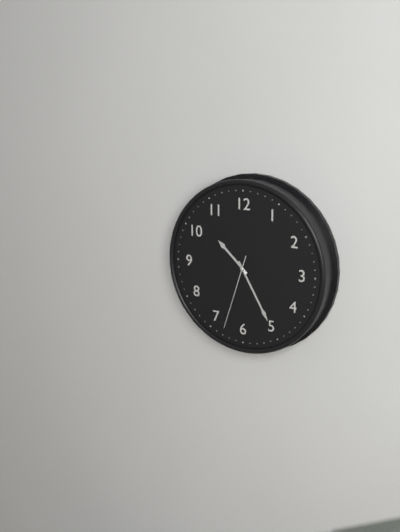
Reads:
10,25,33
